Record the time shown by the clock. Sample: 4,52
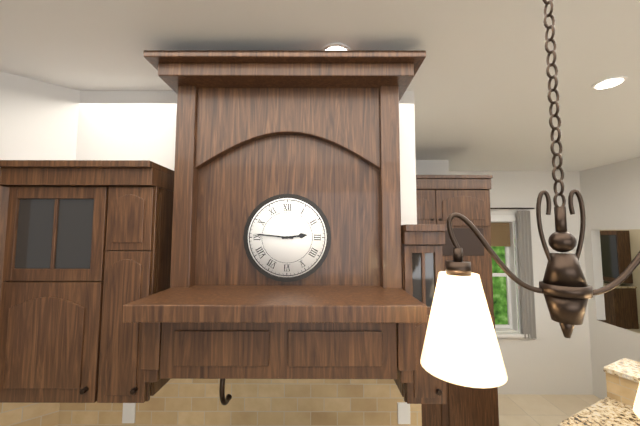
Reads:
2,46
